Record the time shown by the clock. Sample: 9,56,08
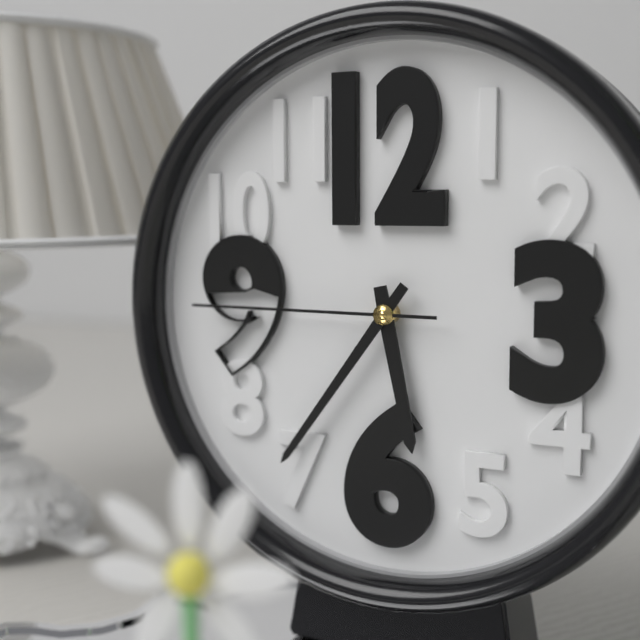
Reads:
5,36,45
